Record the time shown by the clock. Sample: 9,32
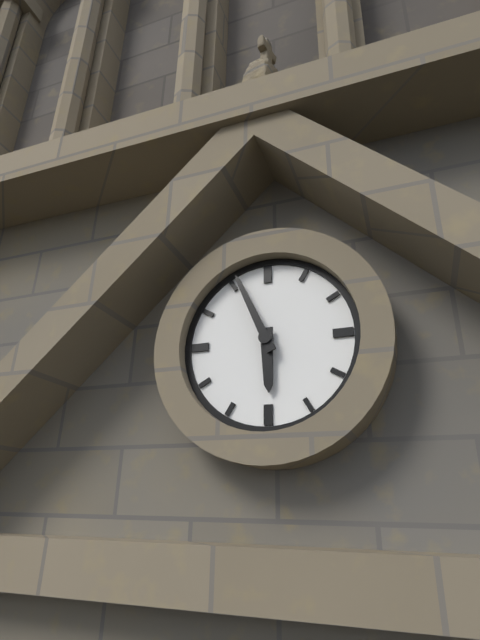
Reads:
5,56
